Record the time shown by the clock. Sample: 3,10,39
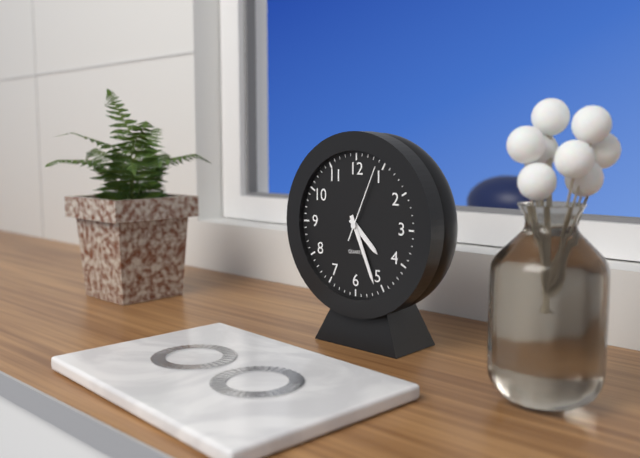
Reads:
4,26,04
